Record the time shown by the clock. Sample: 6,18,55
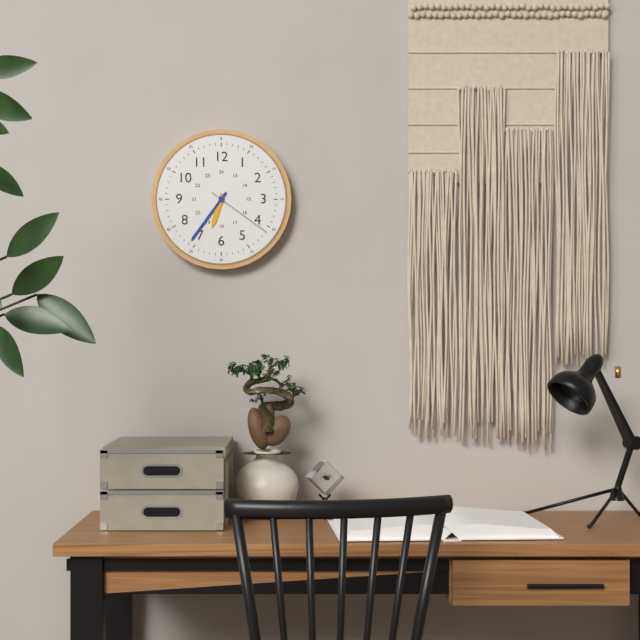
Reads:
6,36,21
